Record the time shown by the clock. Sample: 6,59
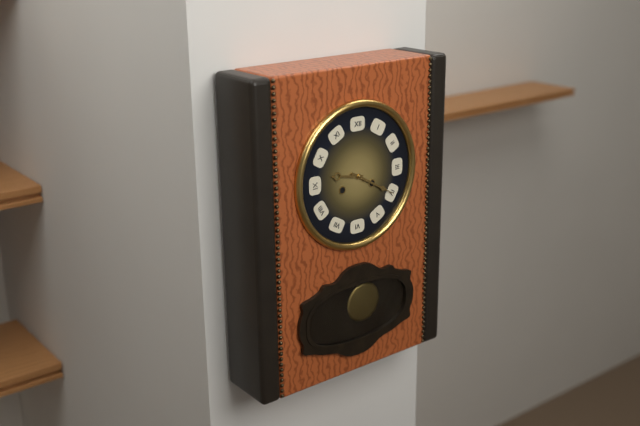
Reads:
9,20
